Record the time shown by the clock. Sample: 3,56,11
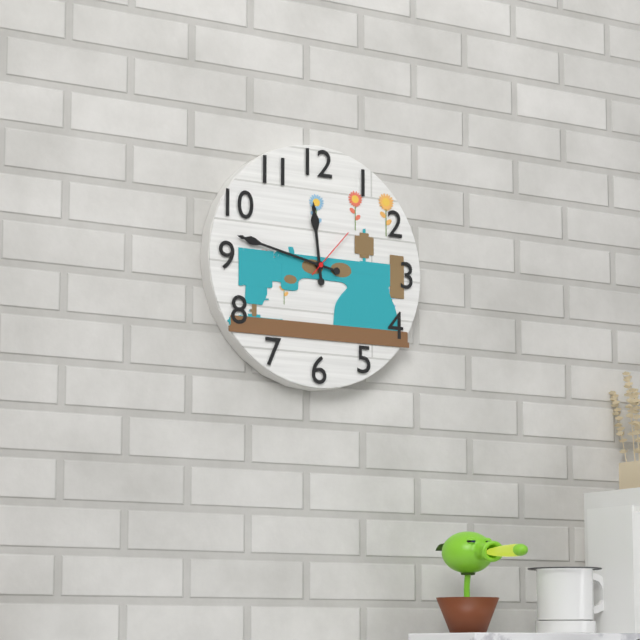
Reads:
11,47,07
